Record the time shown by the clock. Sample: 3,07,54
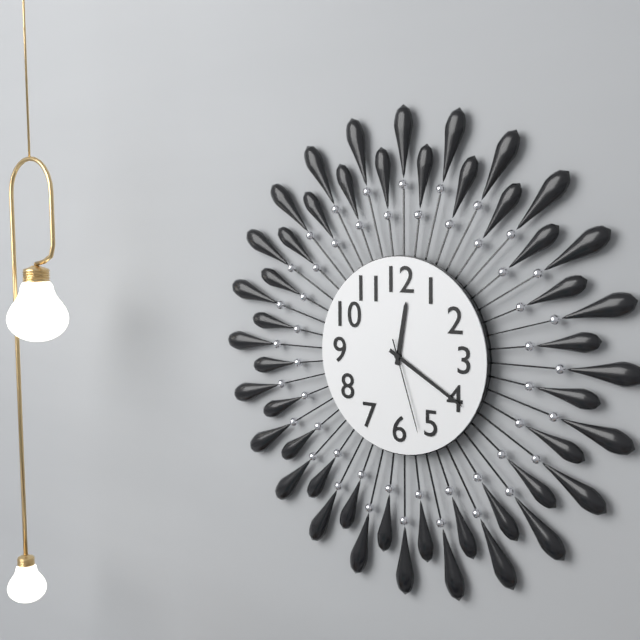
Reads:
12,20,27
